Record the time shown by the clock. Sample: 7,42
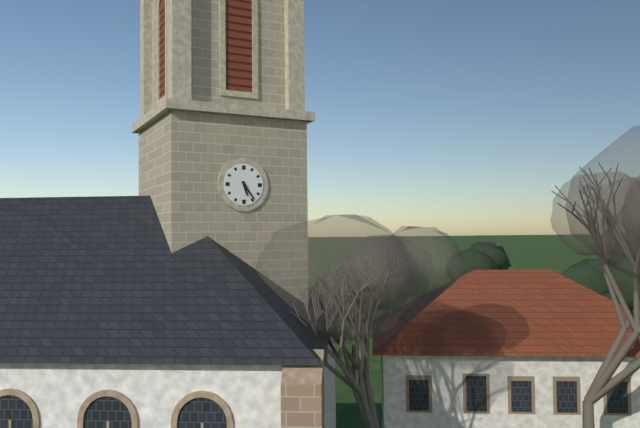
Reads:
5,24
